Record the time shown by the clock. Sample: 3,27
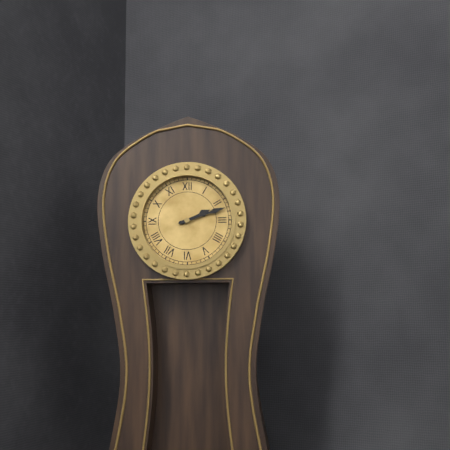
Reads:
2,12
